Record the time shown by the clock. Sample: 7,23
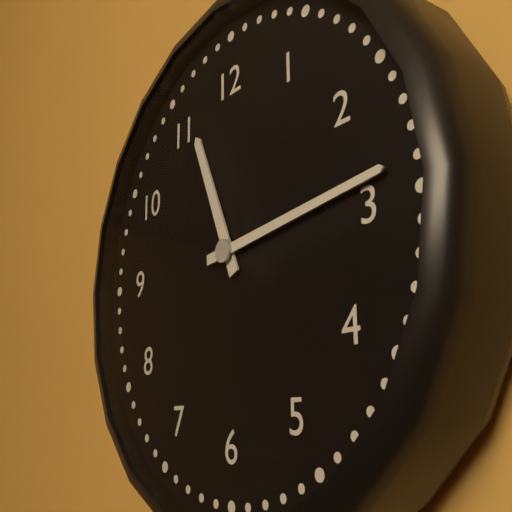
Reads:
11,14
